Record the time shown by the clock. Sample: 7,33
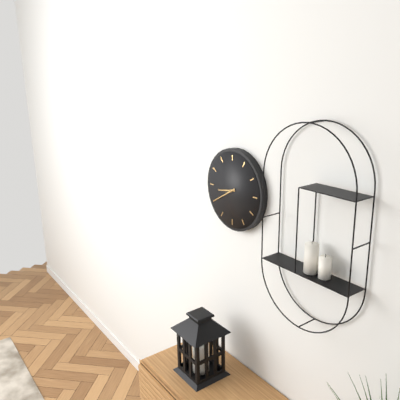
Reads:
8,40
